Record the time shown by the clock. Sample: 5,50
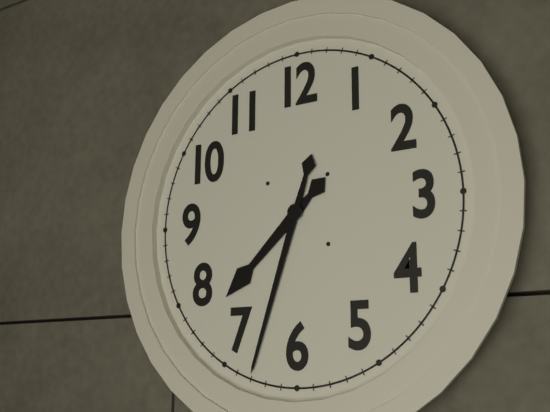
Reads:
7,33
